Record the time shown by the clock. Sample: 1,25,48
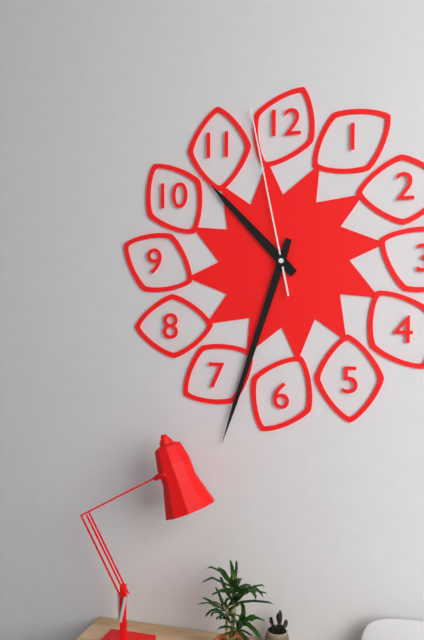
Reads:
10,33,58
